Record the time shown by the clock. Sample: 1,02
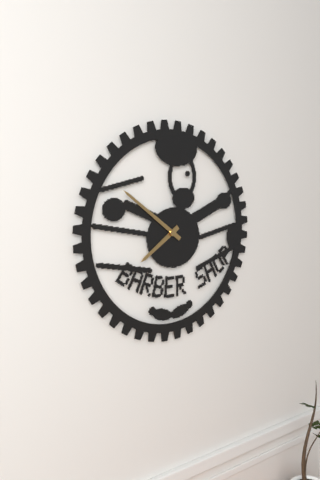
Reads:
7,51
